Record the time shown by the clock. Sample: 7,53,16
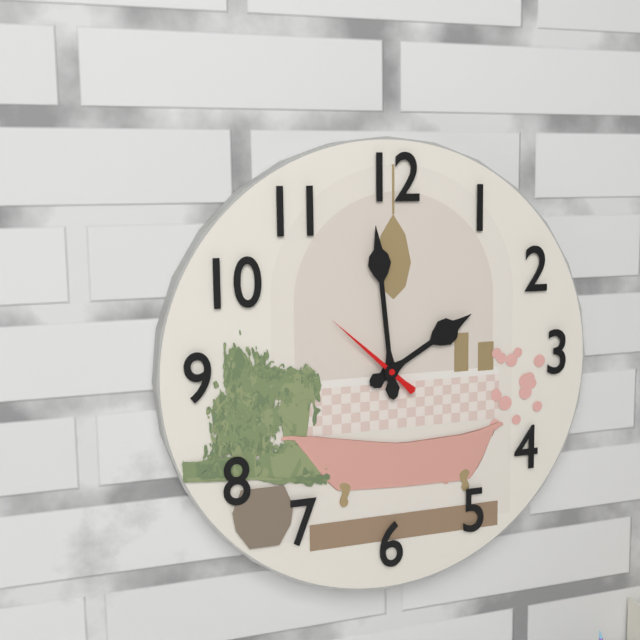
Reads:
1,59,52
